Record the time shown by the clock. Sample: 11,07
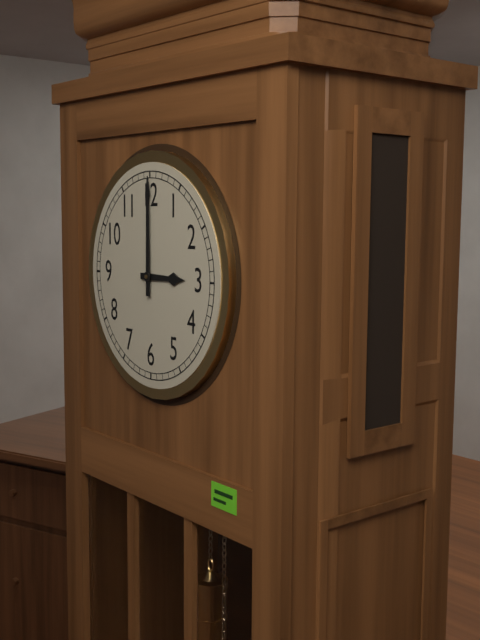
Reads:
3,00
